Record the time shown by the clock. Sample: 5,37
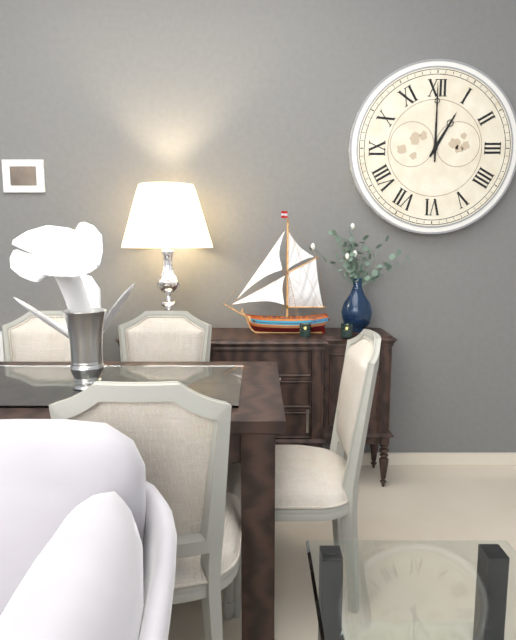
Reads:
1,00
